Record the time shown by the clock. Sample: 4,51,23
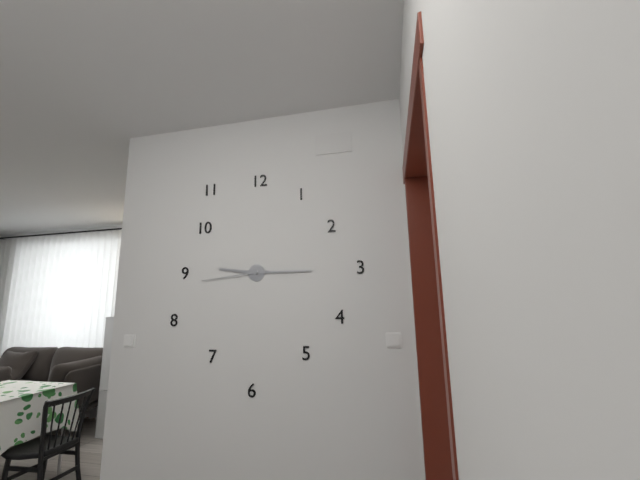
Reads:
9,15,44
